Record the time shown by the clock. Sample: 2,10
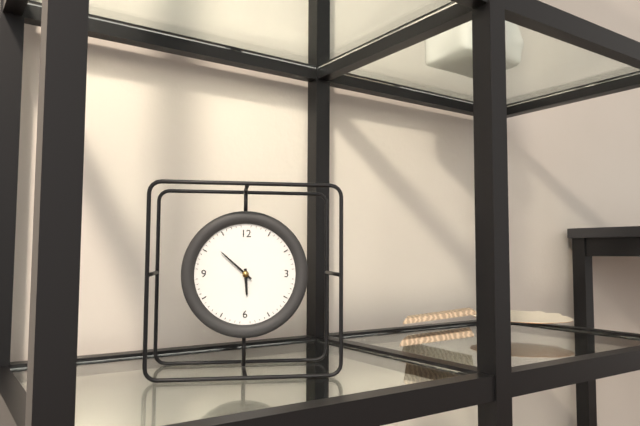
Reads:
5,52
